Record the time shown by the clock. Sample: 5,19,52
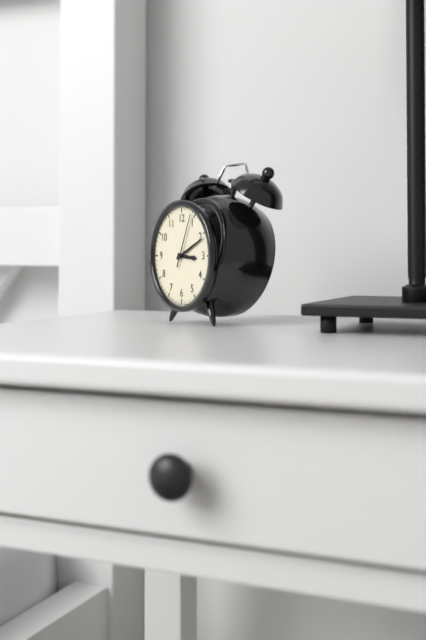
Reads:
3,11,04
